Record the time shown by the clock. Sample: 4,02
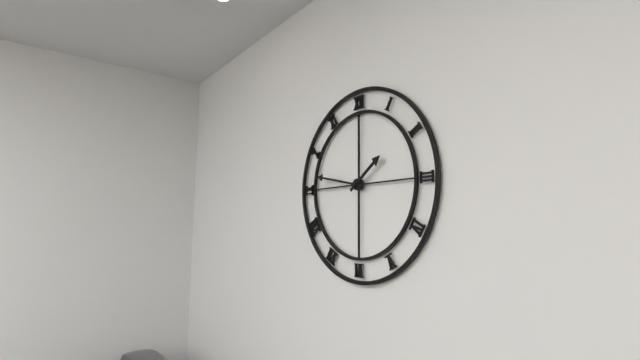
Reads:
1,47
